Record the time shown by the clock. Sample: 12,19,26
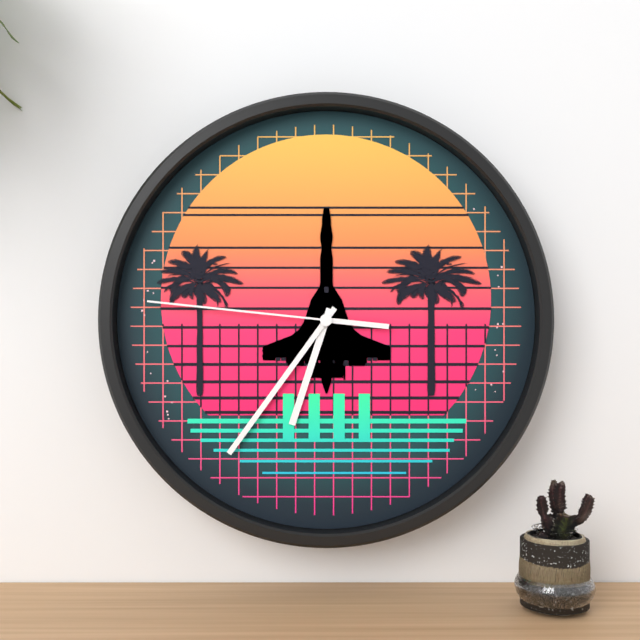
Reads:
6,36,46
